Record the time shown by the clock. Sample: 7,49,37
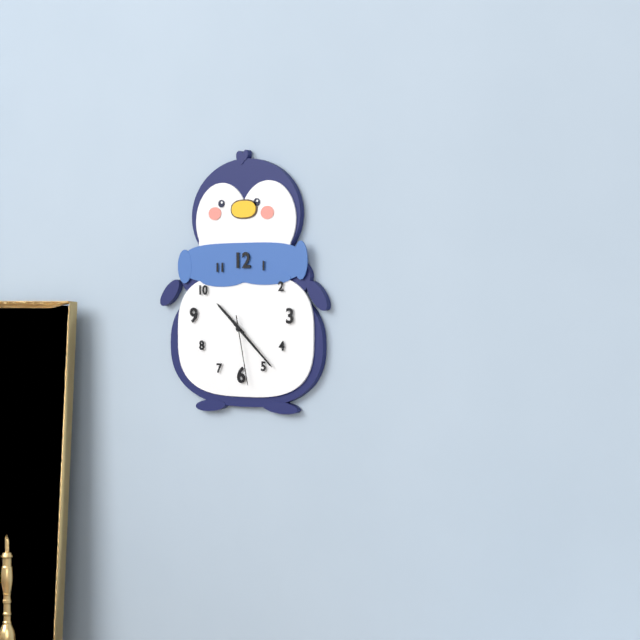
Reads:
10,22,28
